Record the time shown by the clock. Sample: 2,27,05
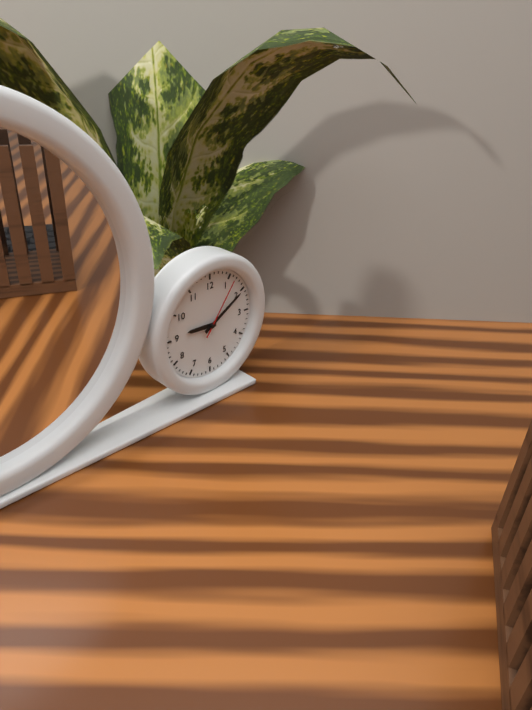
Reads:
9,10,06
